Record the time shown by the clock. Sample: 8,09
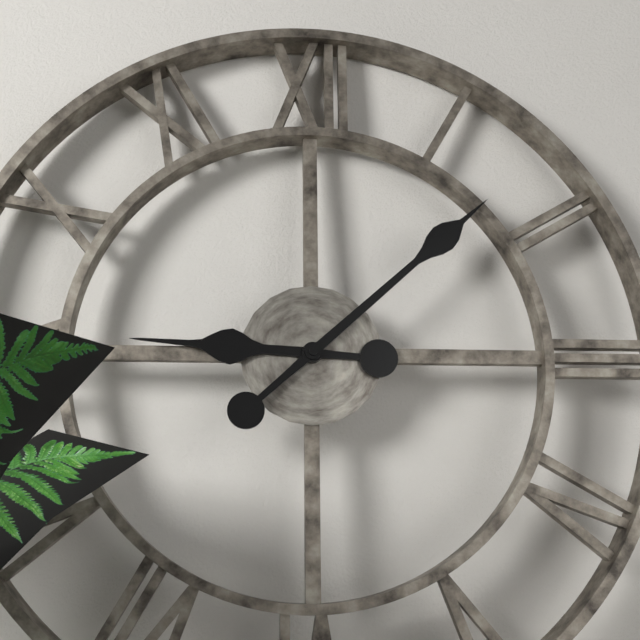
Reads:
9,08
